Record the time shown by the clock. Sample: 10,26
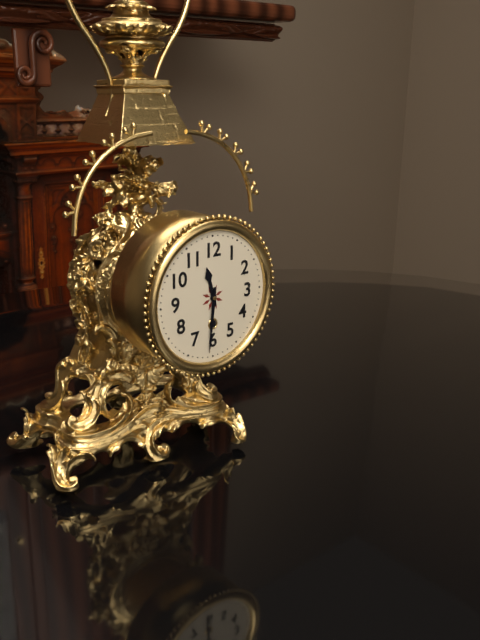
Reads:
11,31
